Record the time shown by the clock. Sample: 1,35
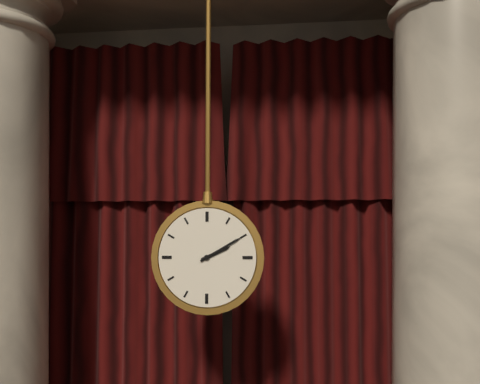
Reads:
2,10
